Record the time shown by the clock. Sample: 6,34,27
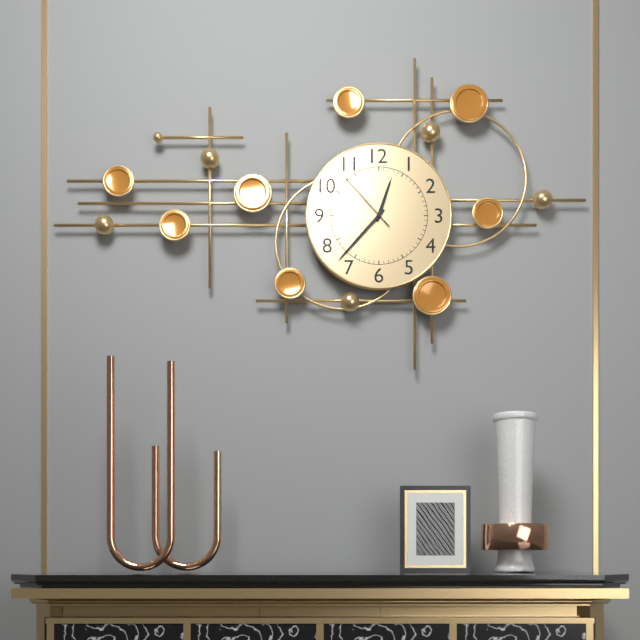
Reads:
12,37,53
